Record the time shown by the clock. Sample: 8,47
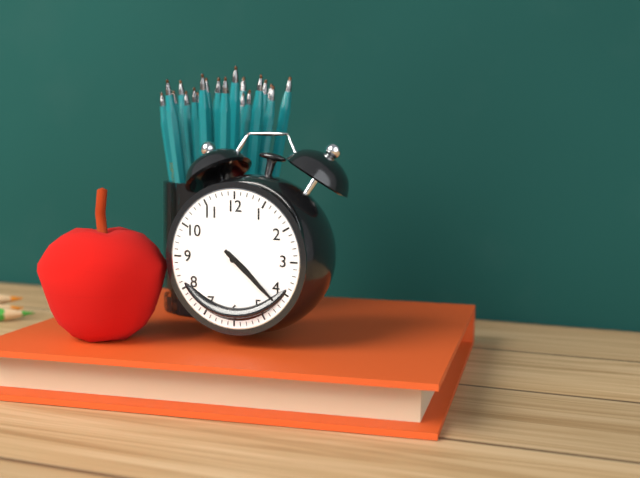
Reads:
4,22
